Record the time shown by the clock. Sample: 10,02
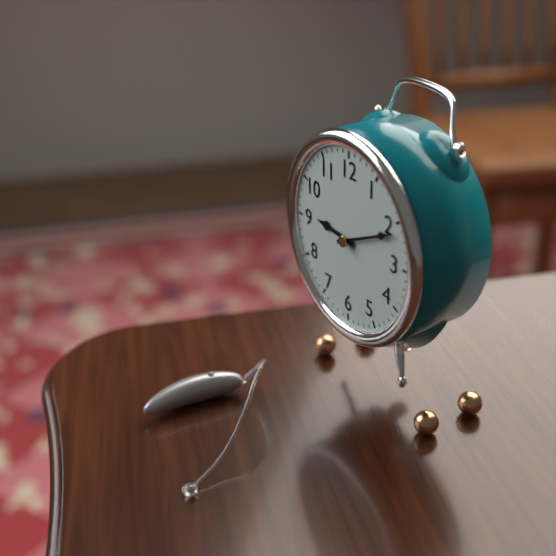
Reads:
9,11
